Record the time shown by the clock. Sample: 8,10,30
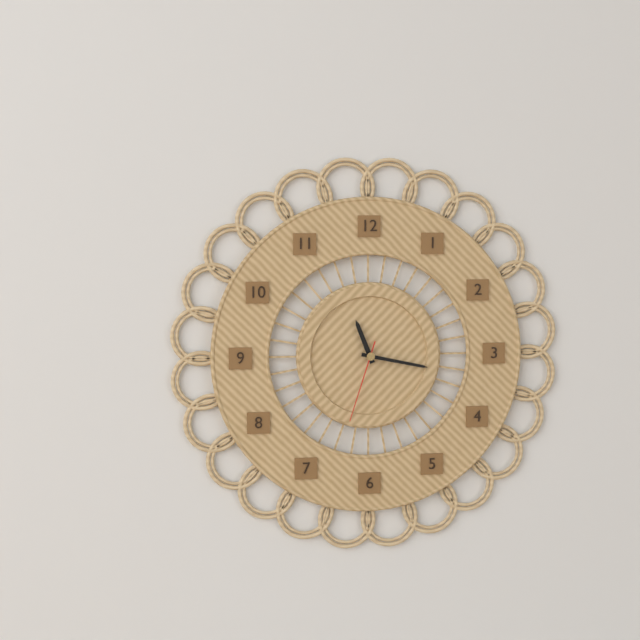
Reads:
11,17,33
